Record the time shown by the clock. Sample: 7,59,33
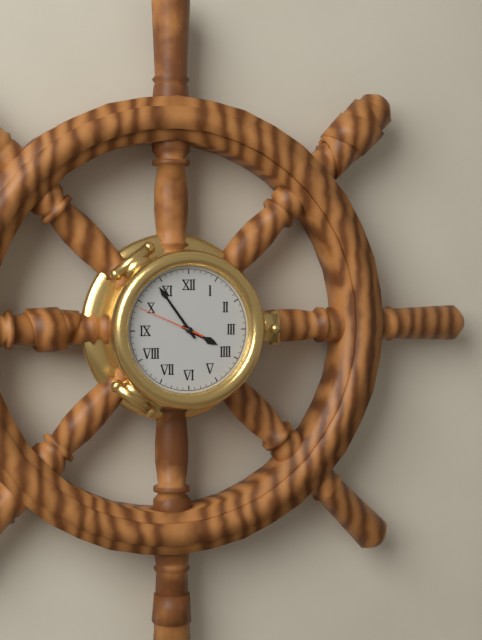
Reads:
3,54,49
